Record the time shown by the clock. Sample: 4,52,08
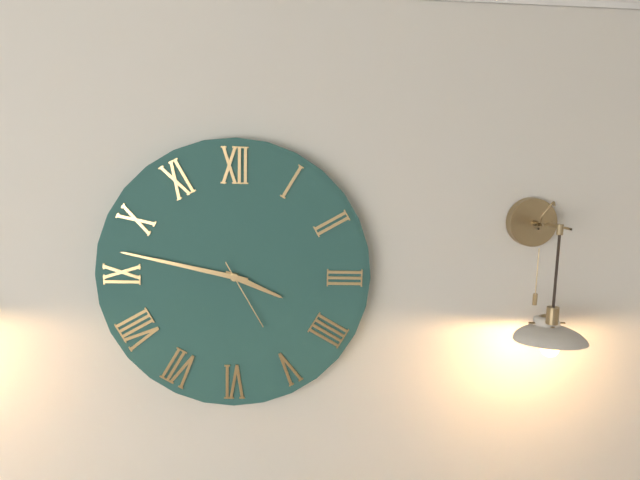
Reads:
3,47,25
